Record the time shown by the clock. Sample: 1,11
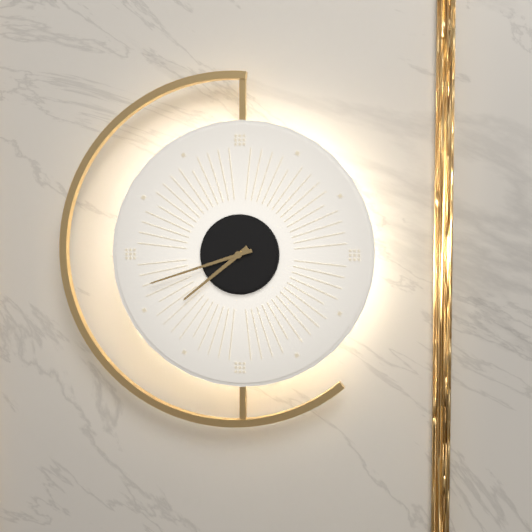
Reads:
7,42
